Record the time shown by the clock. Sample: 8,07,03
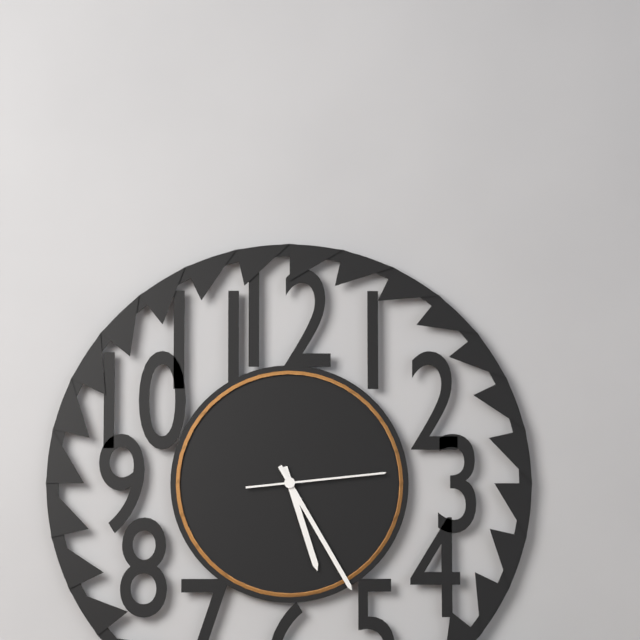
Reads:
5,25,14
